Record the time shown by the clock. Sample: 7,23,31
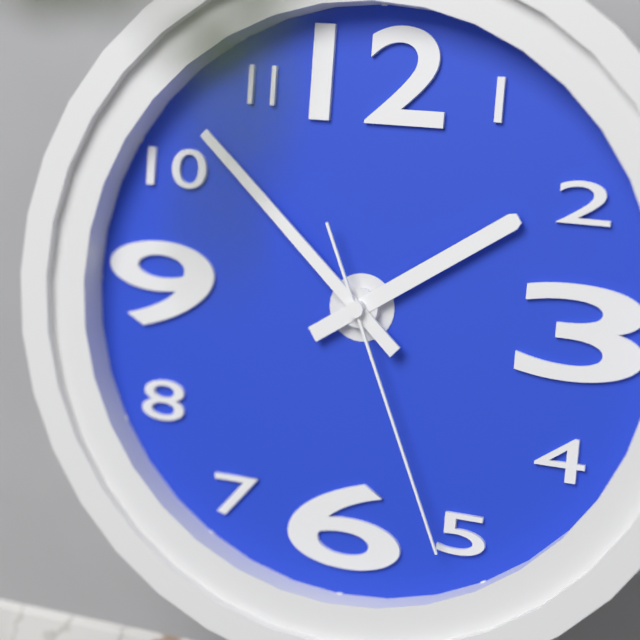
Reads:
1,52,26
